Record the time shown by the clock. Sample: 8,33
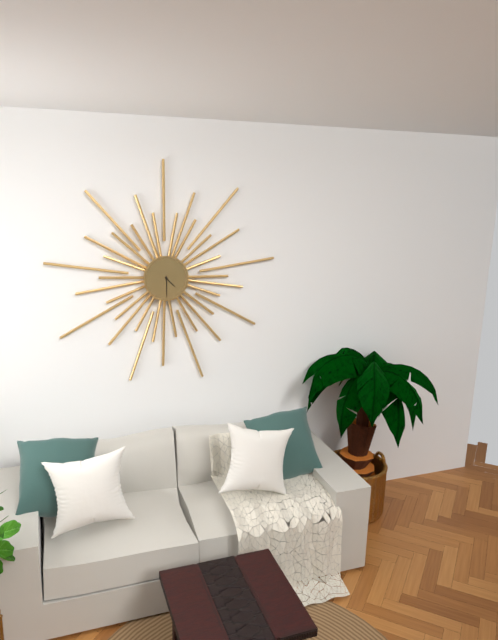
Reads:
4,30
